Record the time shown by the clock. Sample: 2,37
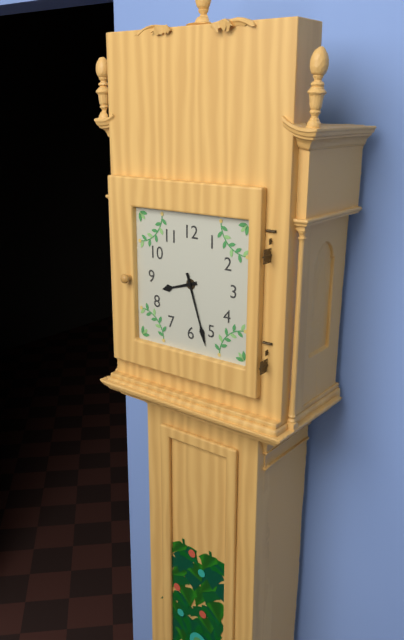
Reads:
8,27
